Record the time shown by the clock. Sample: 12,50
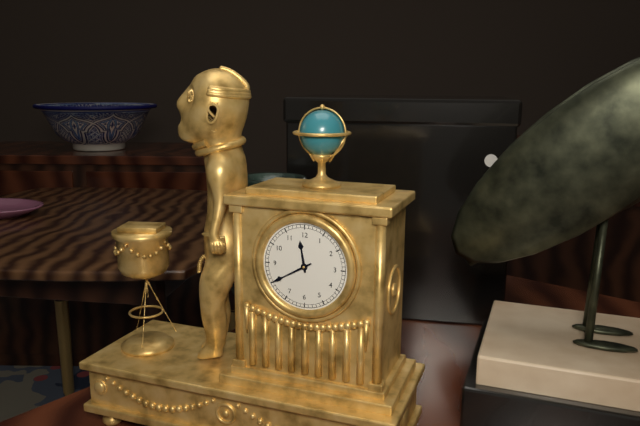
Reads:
11,40
